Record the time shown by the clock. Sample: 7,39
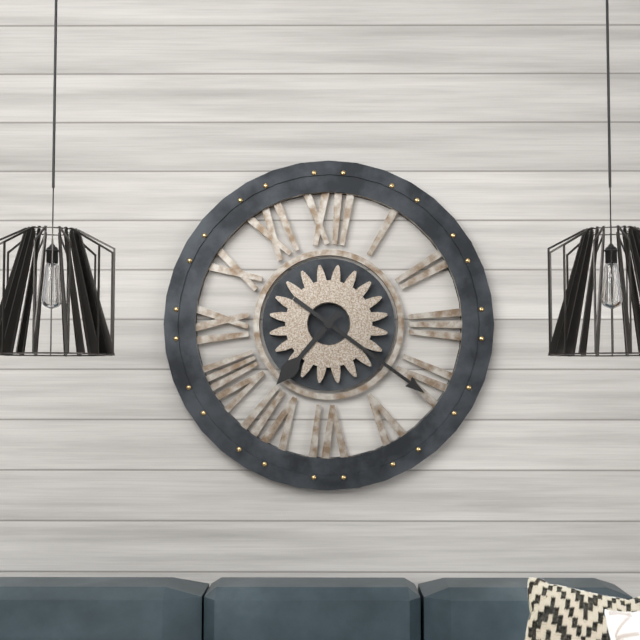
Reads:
7,21
